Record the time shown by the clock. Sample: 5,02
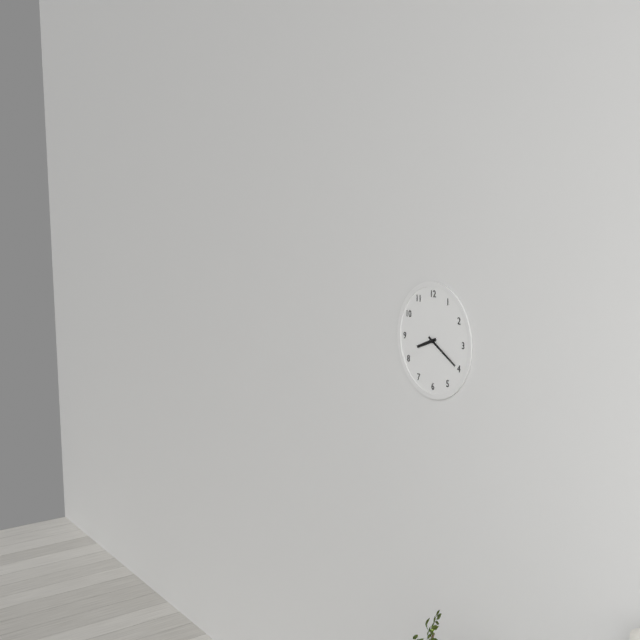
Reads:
8,20
